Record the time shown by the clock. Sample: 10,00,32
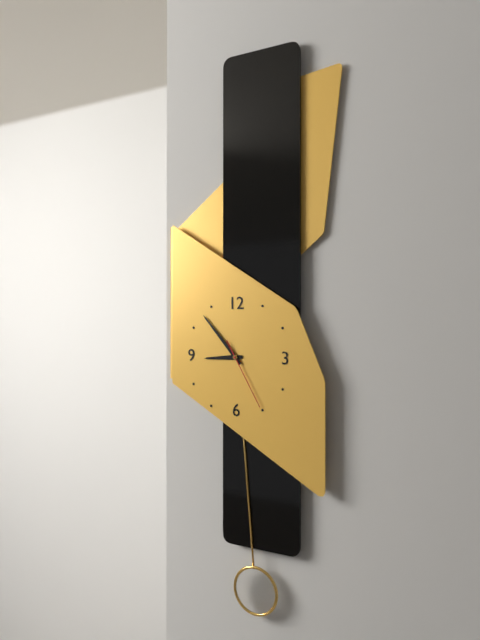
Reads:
8,53,25
